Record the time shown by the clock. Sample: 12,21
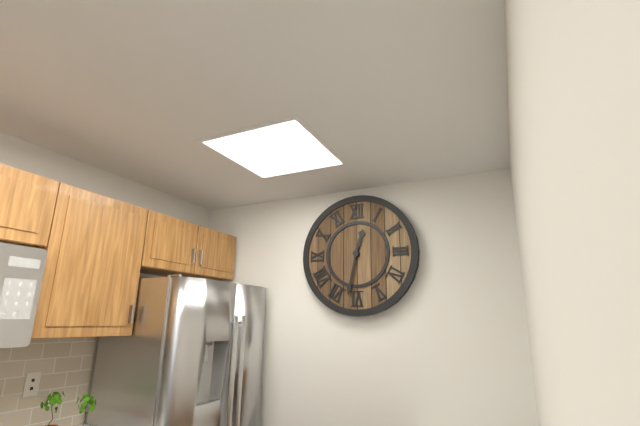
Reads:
12,32
